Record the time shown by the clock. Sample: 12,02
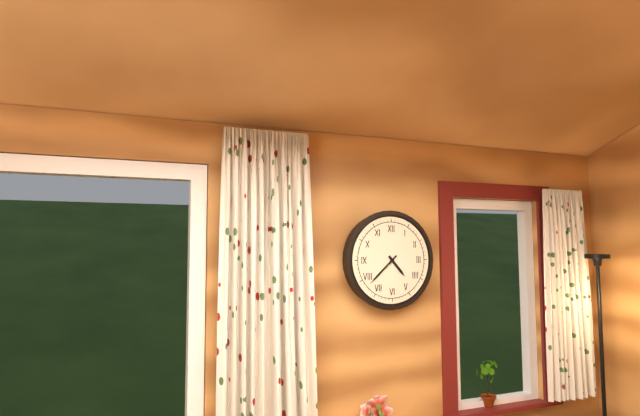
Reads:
4,38
